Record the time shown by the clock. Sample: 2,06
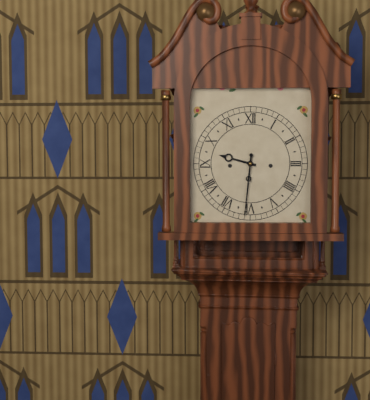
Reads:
9,31
